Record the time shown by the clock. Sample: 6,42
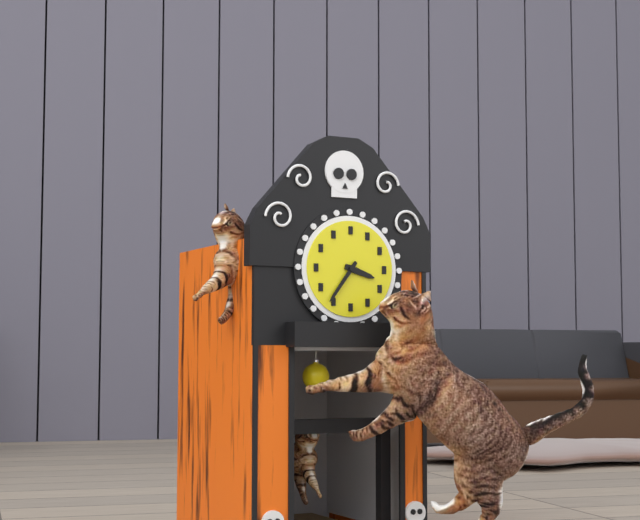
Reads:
3,36
